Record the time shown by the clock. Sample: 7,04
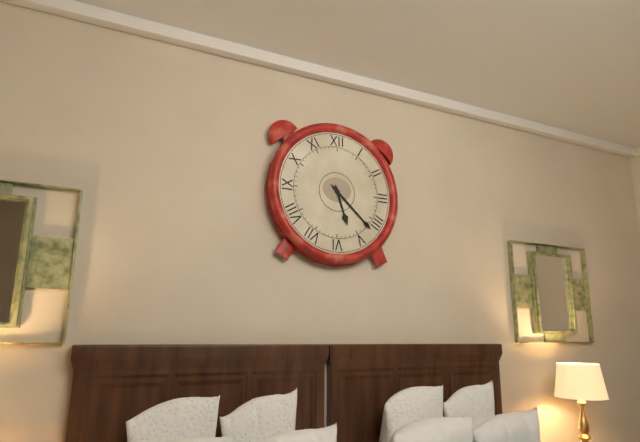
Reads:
5,22
